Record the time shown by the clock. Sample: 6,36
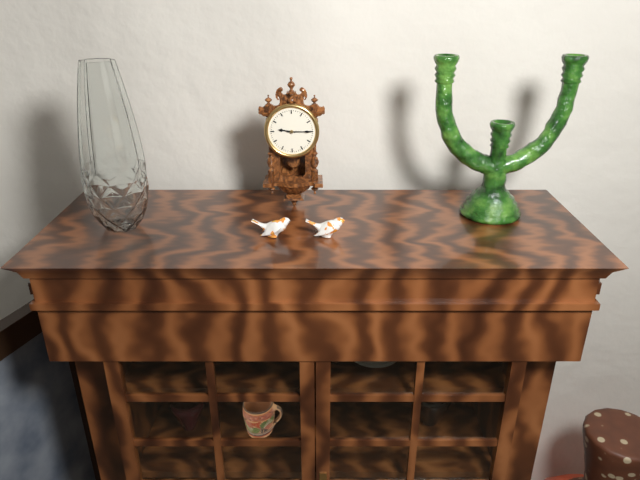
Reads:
9,15
